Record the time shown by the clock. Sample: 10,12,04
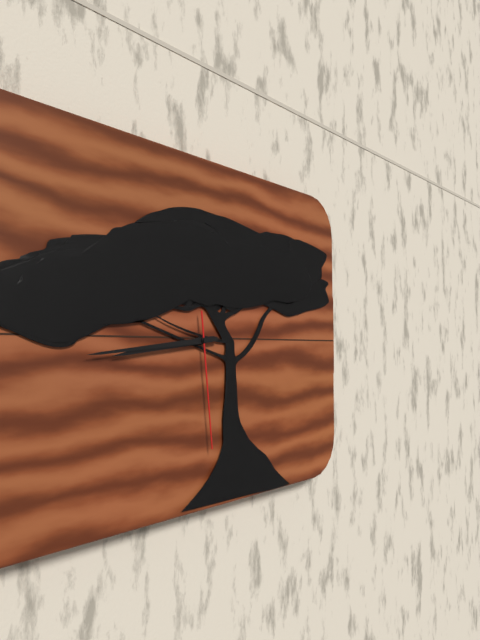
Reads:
8,44,29
